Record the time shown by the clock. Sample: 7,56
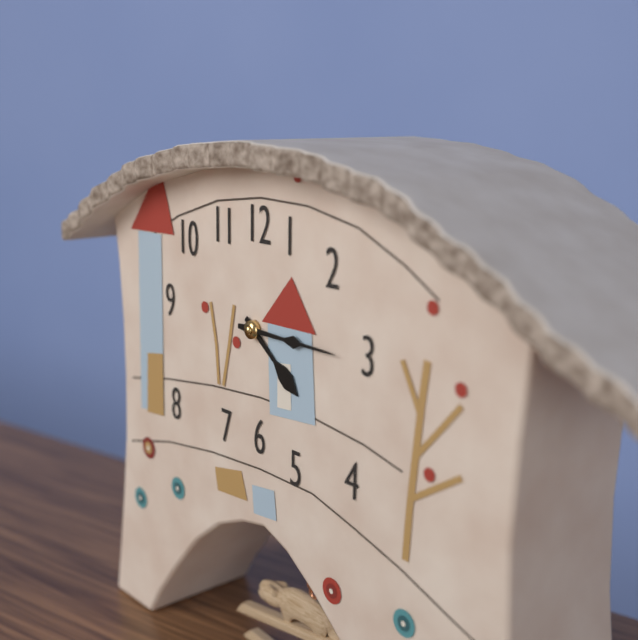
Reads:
4,15
